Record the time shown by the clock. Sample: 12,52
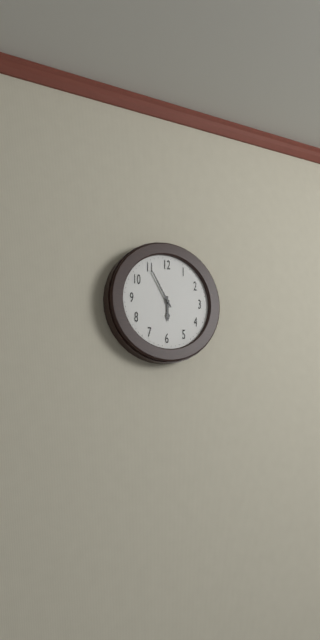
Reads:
5,55
